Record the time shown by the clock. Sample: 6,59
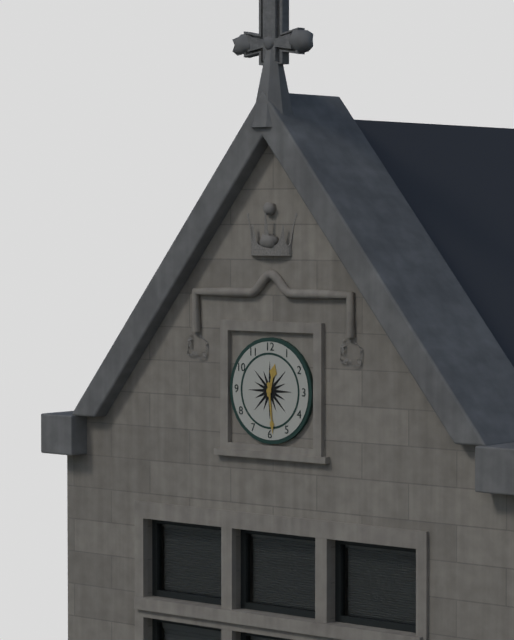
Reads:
12,29
